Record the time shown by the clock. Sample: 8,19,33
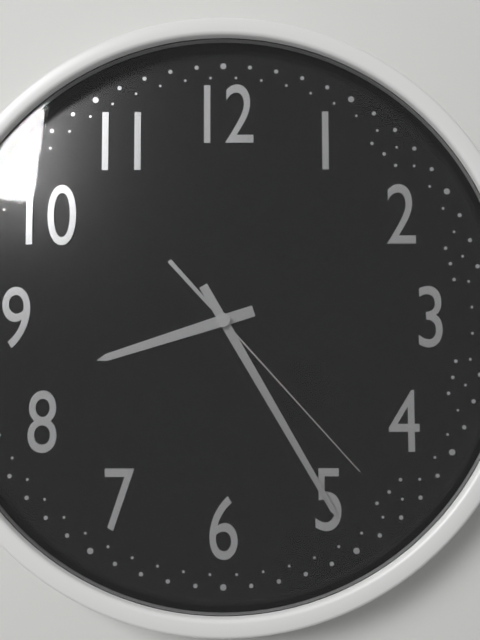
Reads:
8,25,23
